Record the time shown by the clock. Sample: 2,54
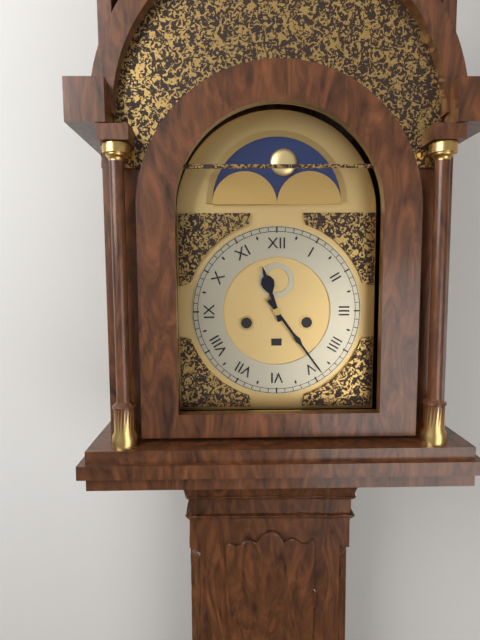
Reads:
11,24
